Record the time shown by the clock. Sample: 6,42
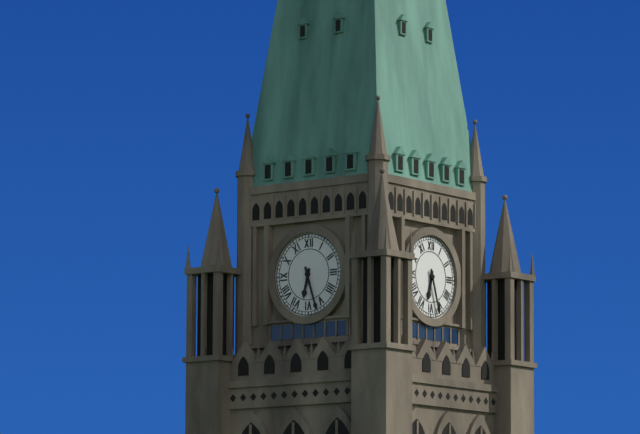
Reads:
6,27
